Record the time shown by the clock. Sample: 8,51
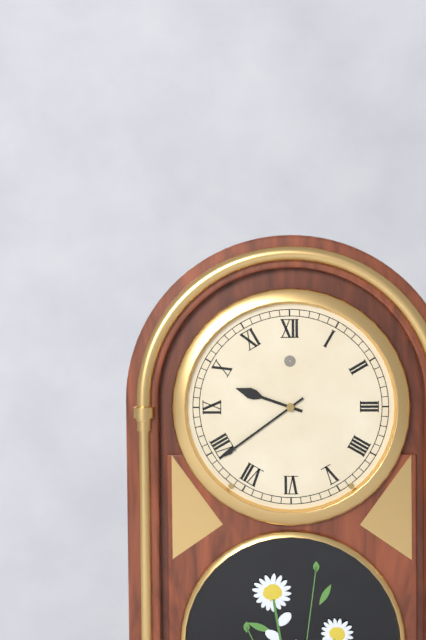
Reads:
9,39
